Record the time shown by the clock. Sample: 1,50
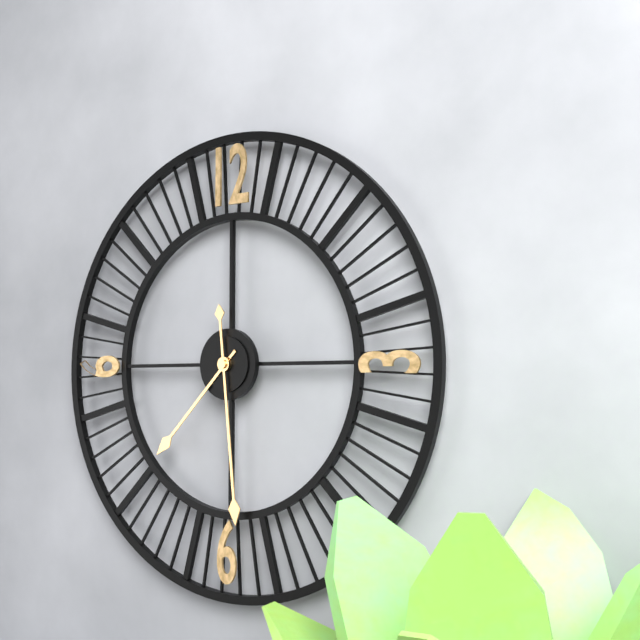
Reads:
7,29
